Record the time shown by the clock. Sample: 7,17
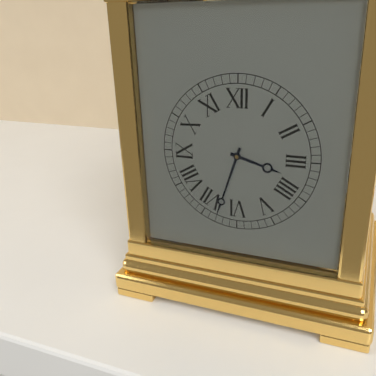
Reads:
3,33
